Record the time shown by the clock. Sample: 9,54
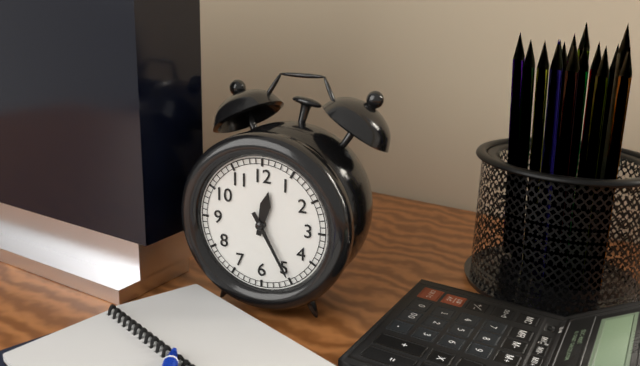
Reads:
12,25
